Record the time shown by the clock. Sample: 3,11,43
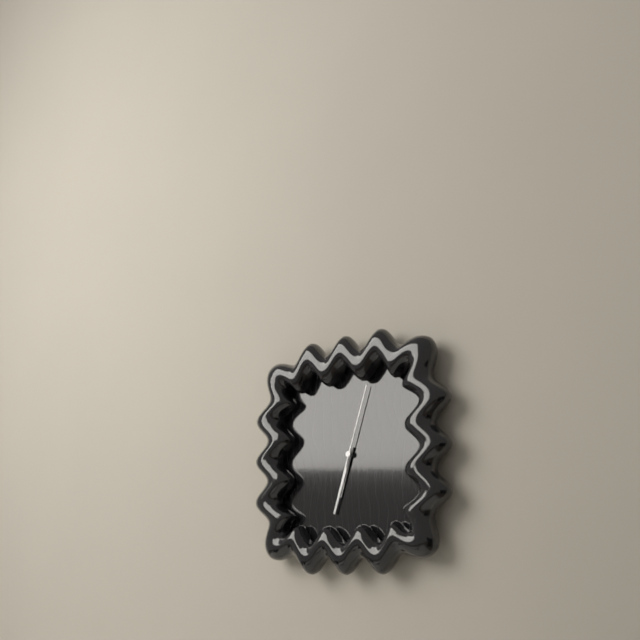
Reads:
6,33,03
